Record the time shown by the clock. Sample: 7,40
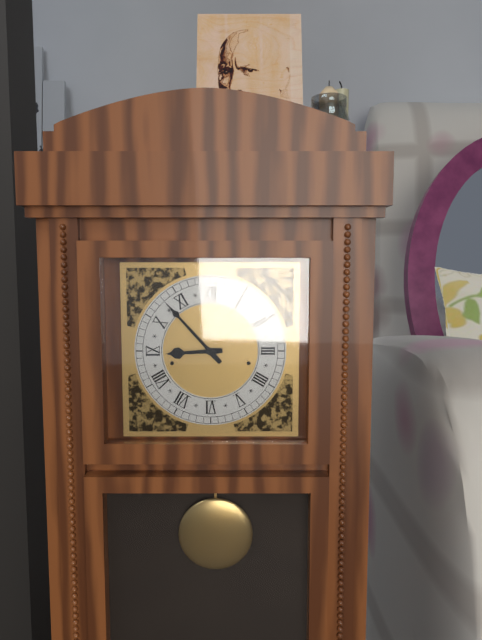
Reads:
8,53
